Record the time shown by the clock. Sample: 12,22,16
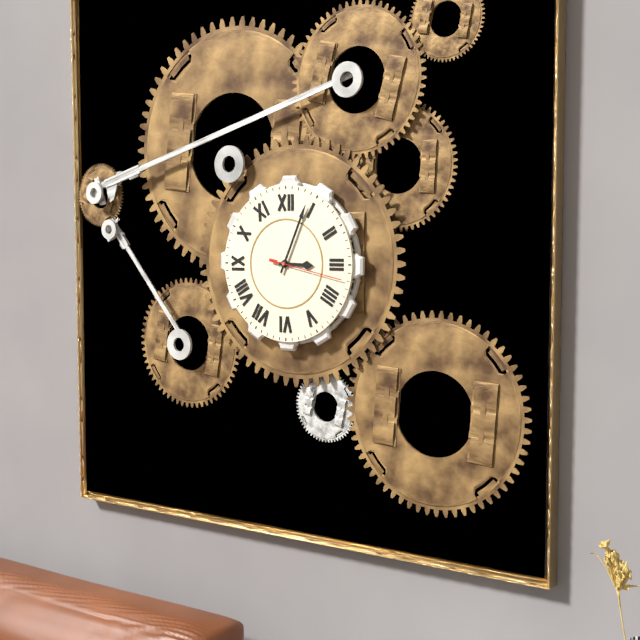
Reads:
3,04,17
